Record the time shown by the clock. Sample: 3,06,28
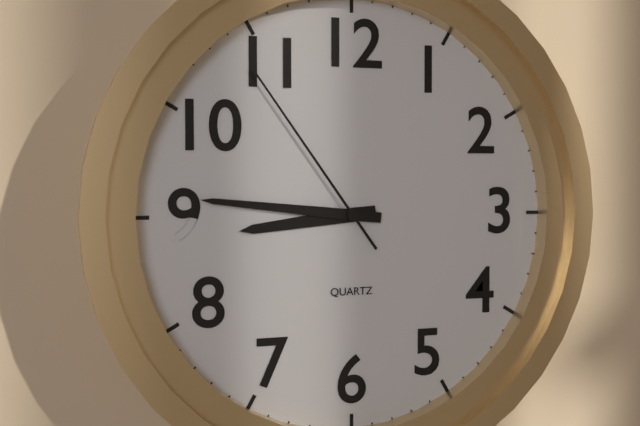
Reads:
8,46,54
